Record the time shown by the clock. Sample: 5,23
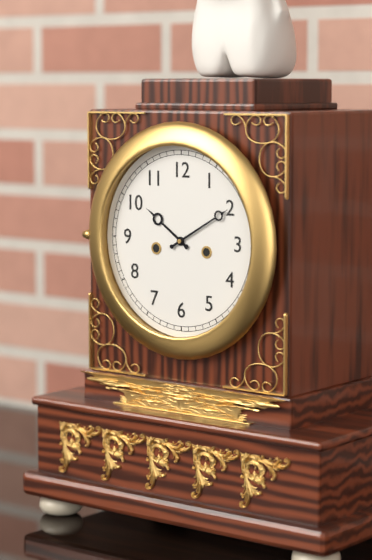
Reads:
10,10
